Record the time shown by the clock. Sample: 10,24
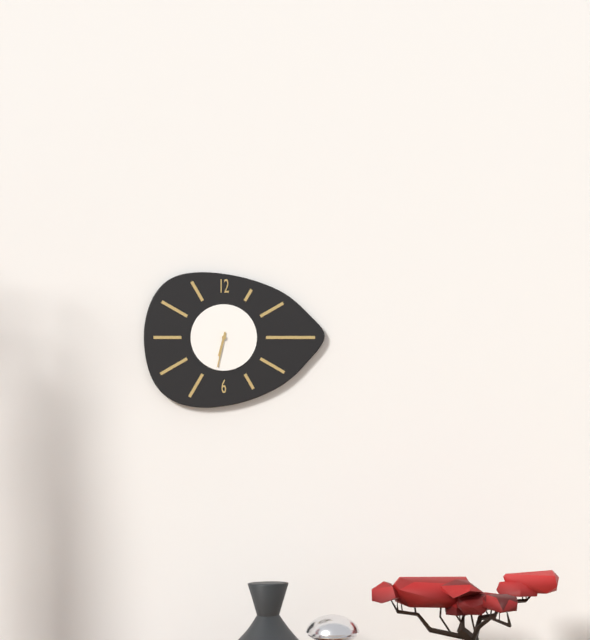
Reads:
6,32
